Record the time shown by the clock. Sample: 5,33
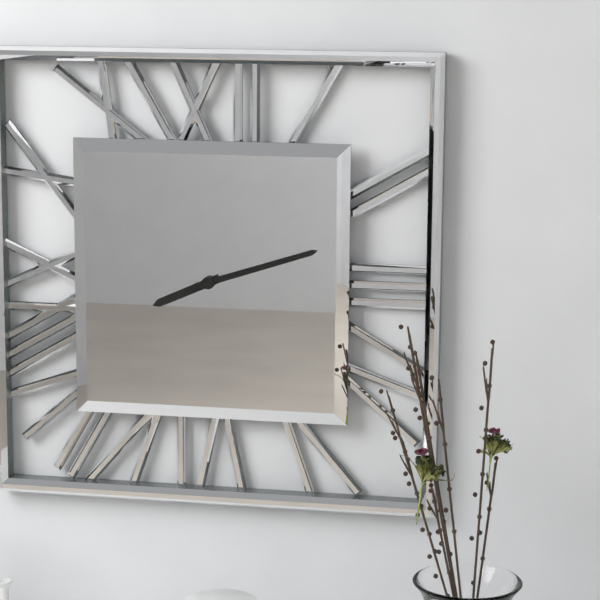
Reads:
8,12
